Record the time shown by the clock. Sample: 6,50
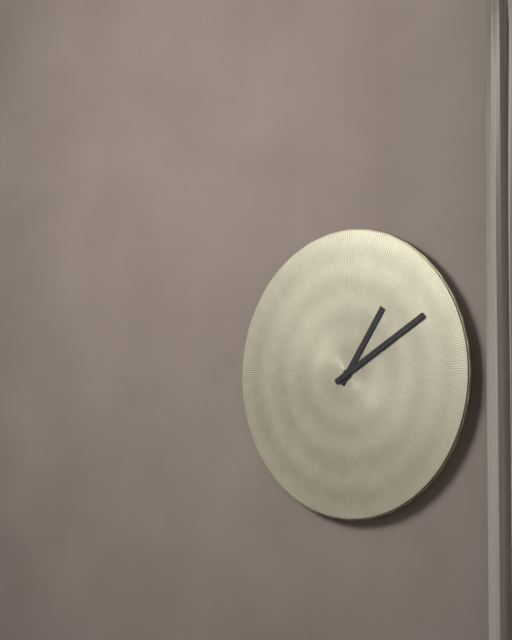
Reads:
1,10
